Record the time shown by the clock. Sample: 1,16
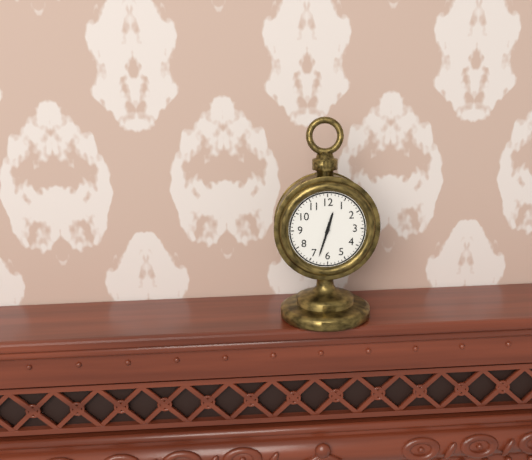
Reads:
12,33
